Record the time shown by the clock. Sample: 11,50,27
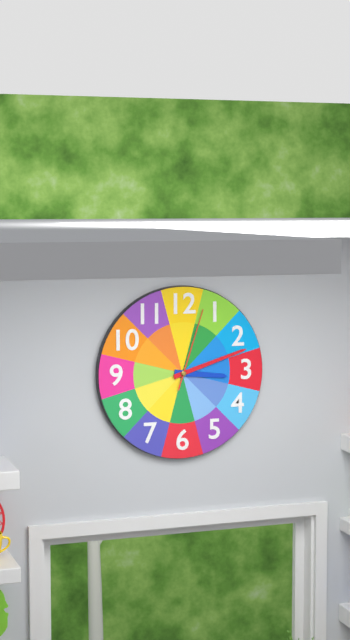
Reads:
3,12,03
